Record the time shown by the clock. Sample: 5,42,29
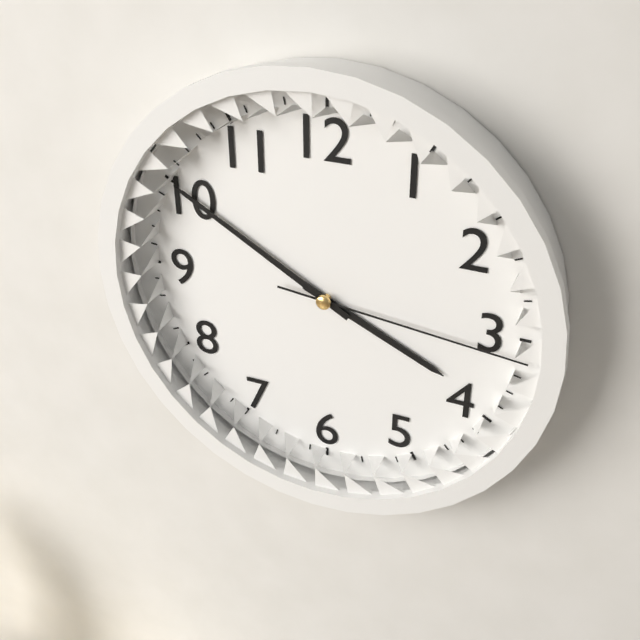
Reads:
3,50,16
